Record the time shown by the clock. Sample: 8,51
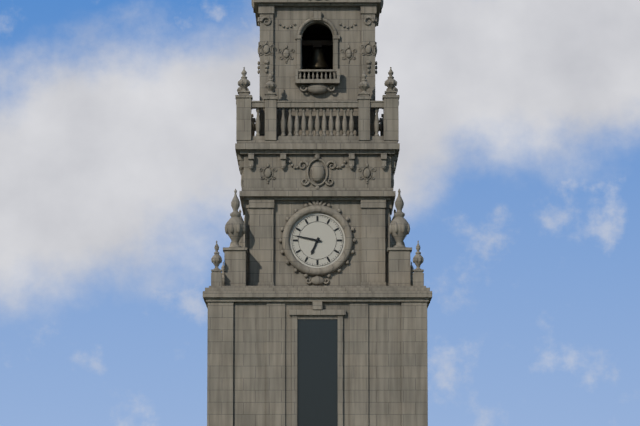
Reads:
6,47
